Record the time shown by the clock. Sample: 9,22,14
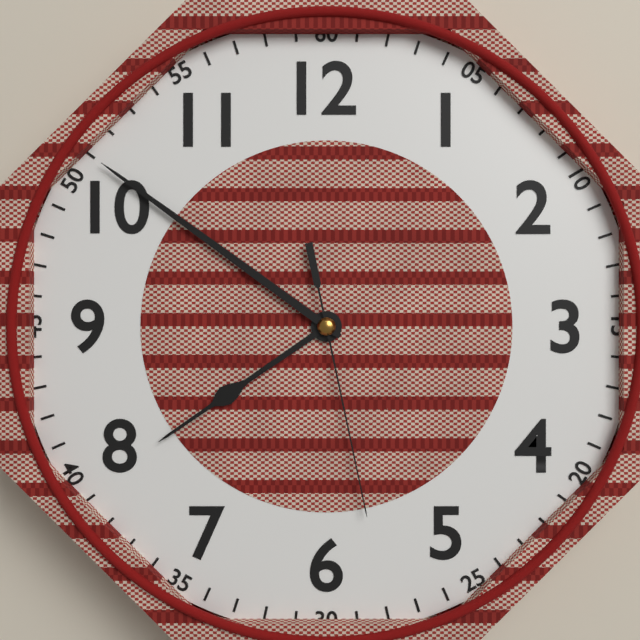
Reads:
7,51,28
